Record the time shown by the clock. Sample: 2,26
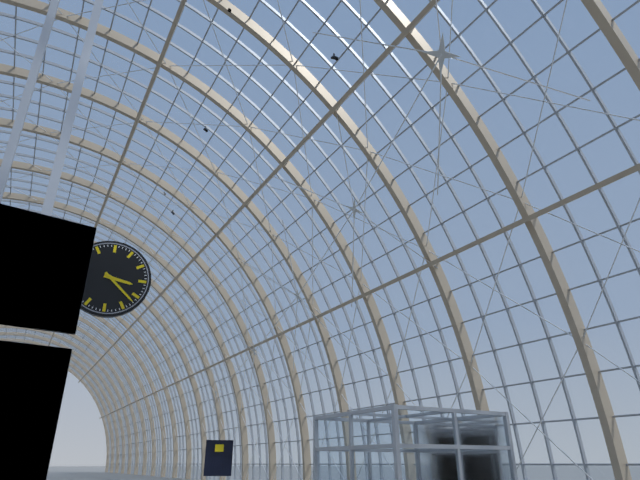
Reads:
3,22
